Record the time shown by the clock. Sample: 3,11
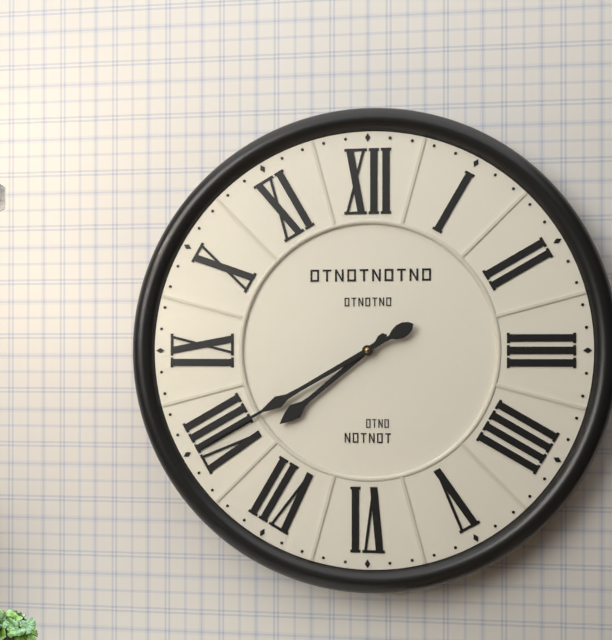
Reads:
7,40
